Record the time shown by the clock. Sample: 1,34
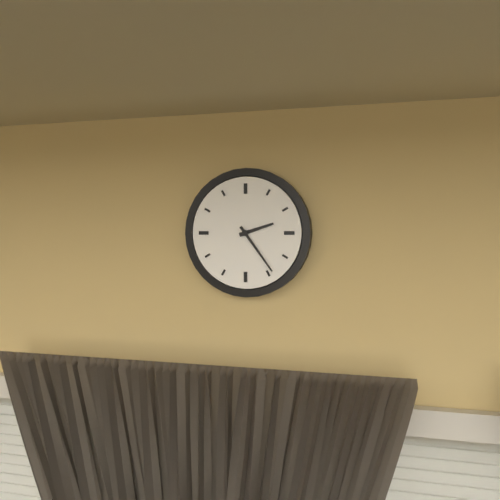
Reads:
2,24
